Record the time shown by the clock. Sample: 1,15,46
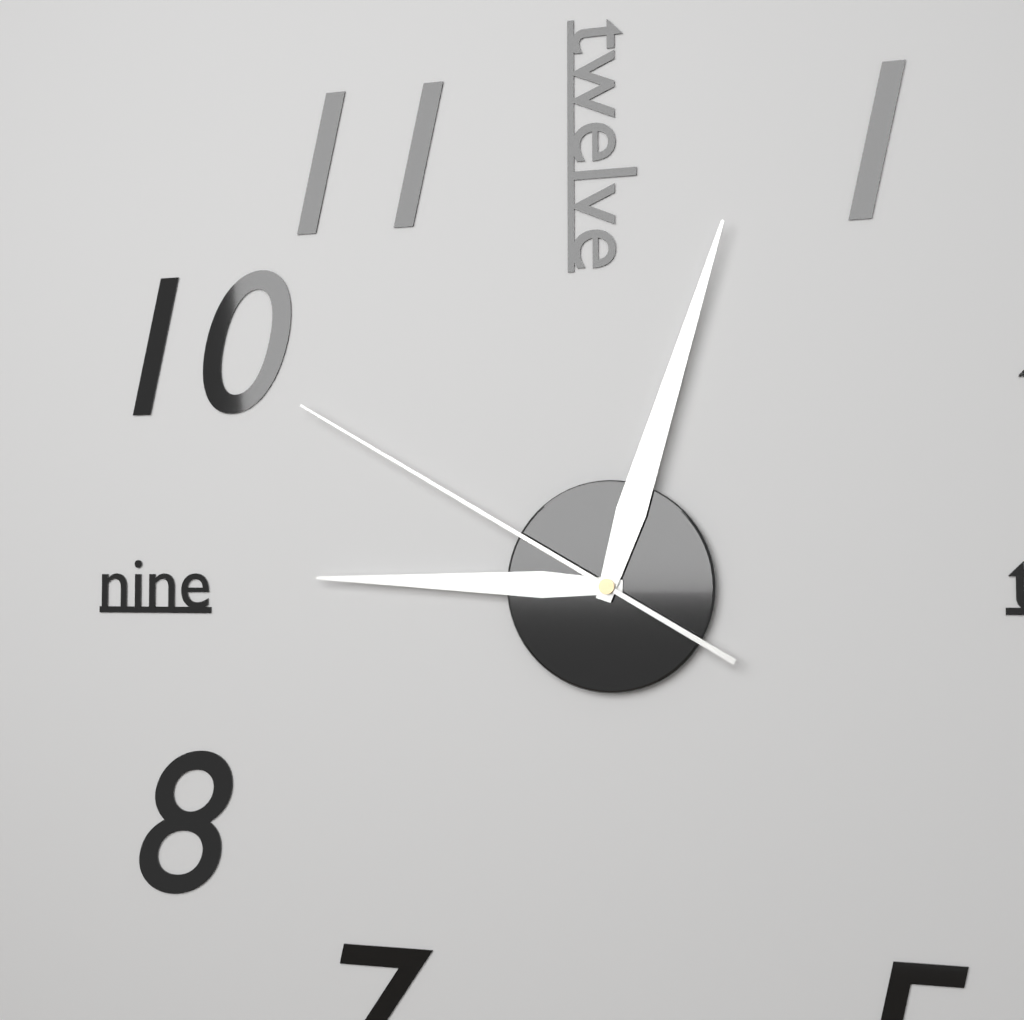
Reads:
9,03,50
